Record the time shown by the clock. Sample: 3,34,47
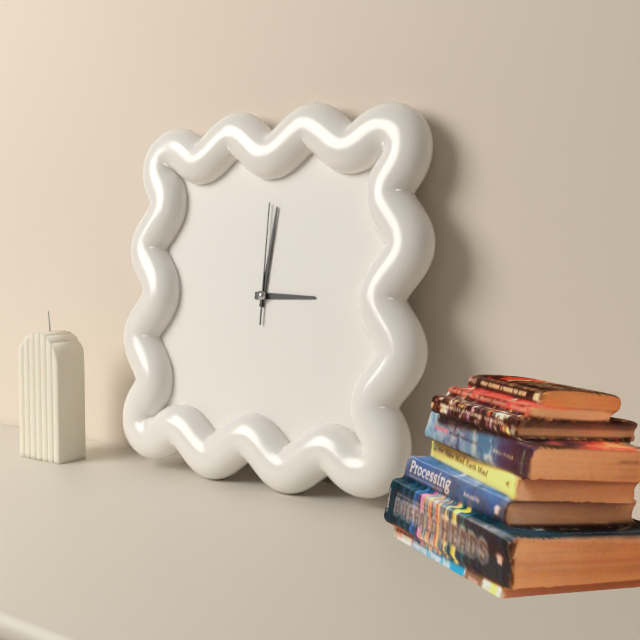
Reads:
3,01,00
